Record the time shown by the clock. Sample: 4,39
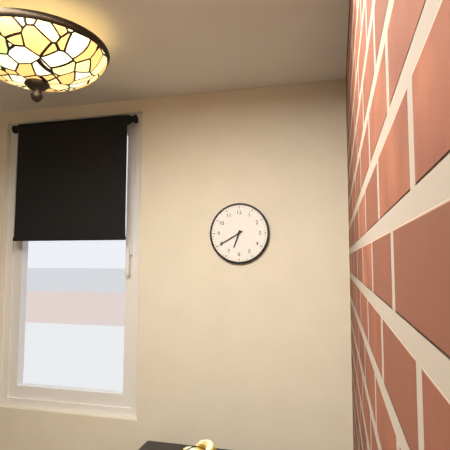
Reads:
6,40
